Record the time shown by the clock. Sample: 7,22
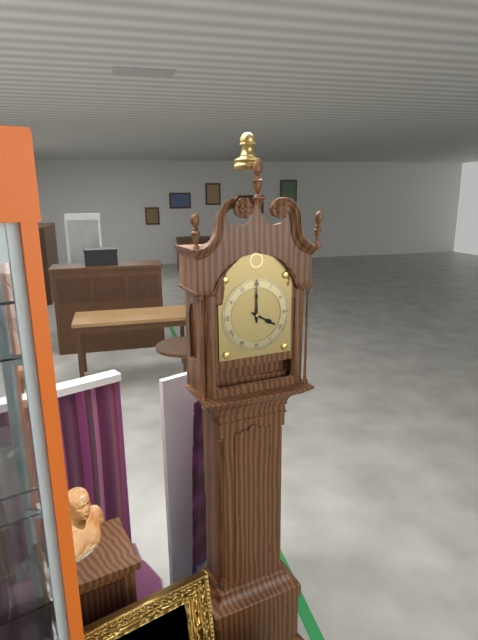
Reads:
4,00
